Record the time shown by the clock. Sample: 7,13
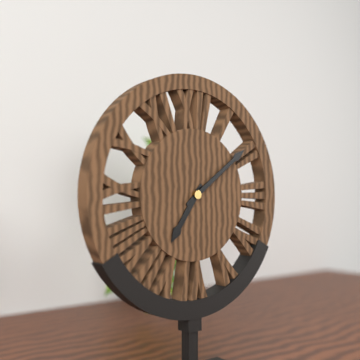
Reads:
7,09
